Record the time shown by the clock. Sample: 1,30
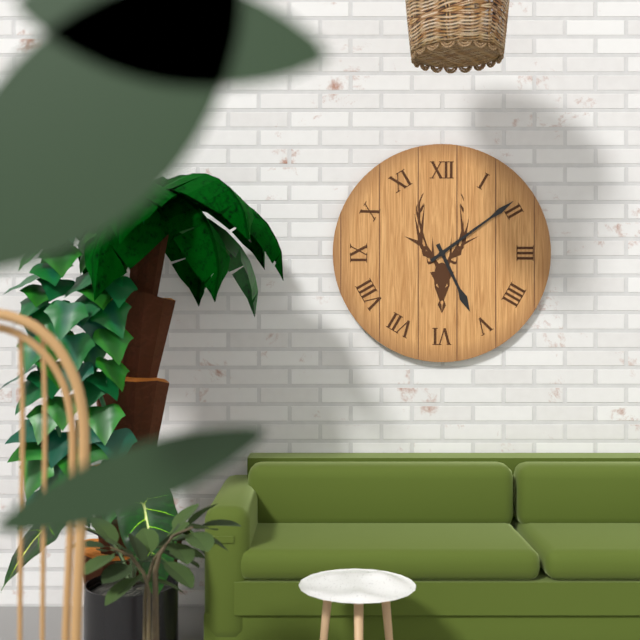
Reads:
5,09
